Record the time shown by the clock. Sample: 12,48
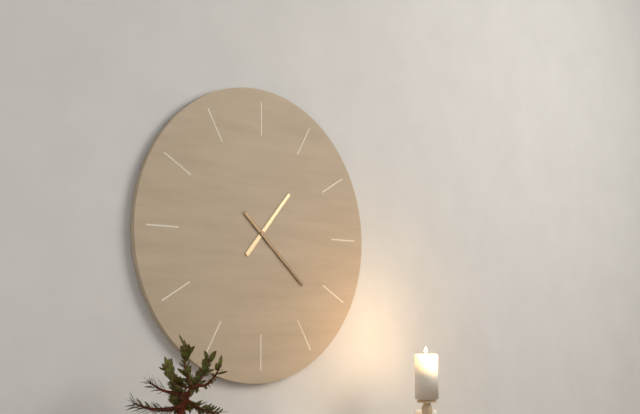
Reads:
1,22
